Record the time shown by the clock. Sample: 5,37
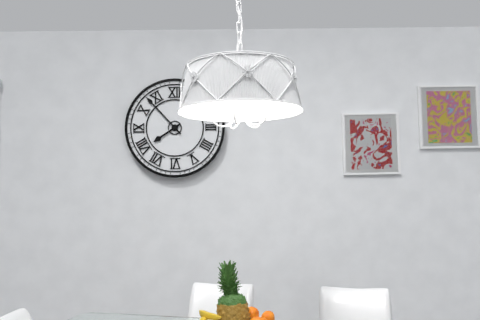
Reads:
7,53
